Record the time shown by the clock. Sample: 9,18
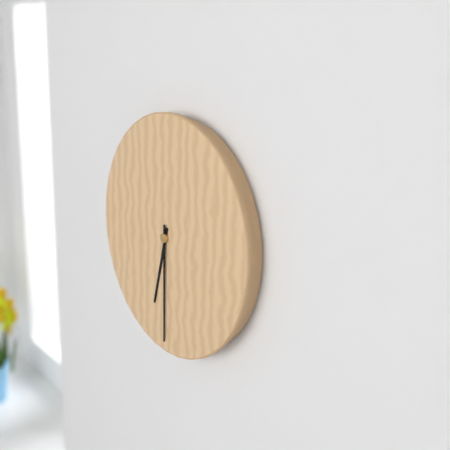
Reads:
6,30
